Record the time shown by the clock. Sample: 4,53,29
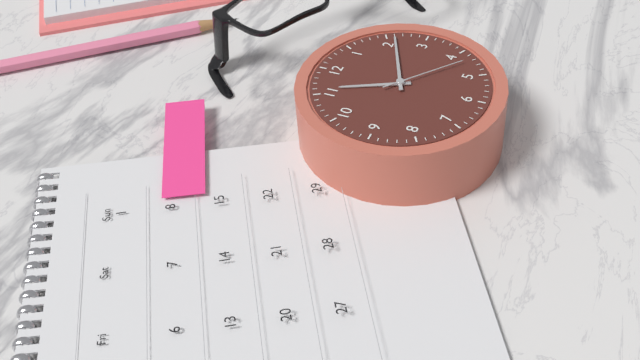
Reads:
11,11,22
